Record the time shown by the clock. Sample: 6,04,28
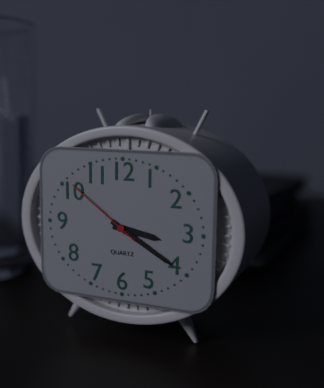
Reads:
3,20,51
